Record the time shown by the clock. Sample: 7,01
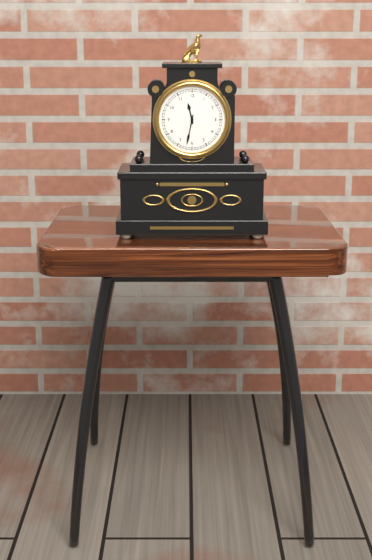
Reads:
11,32
